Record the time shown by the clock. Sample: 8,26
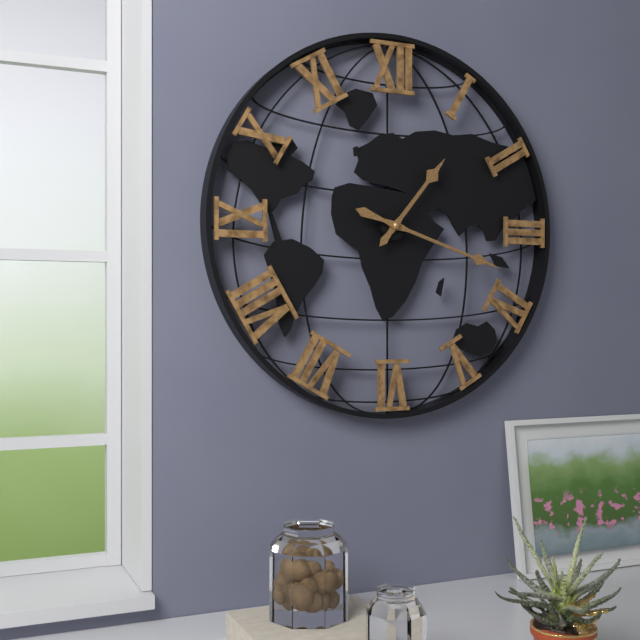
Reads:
1,18
